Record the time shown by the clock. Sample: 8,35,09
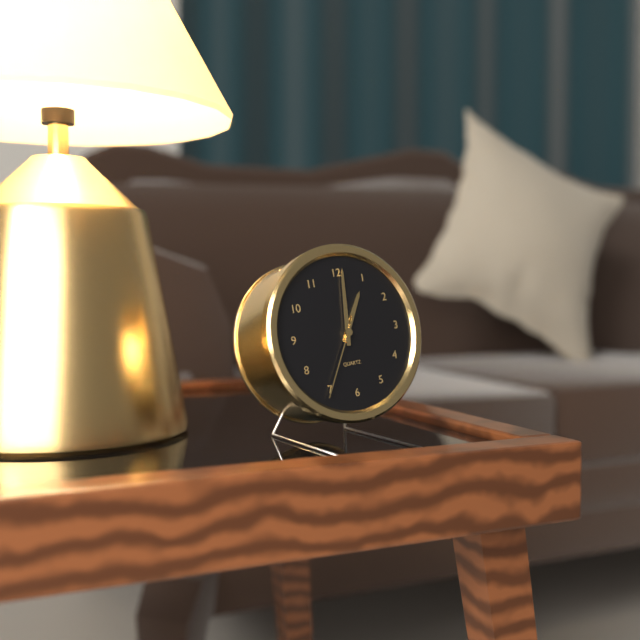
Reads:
1,01,35
